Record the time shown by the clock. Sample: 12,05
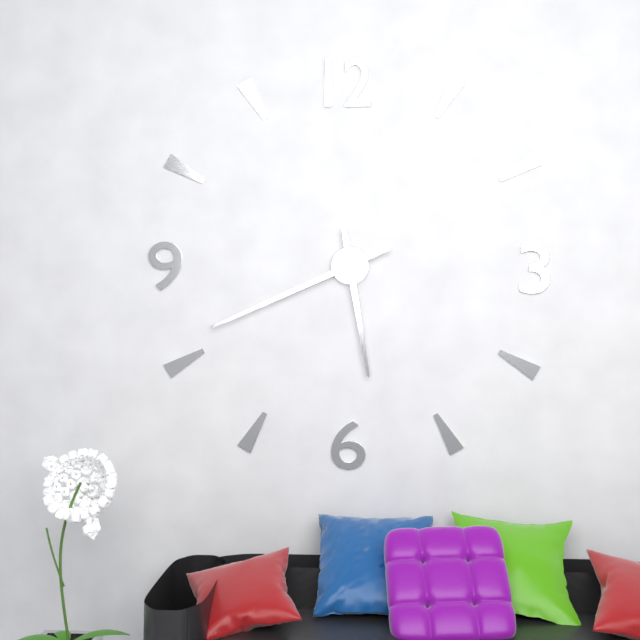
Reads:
5,41
